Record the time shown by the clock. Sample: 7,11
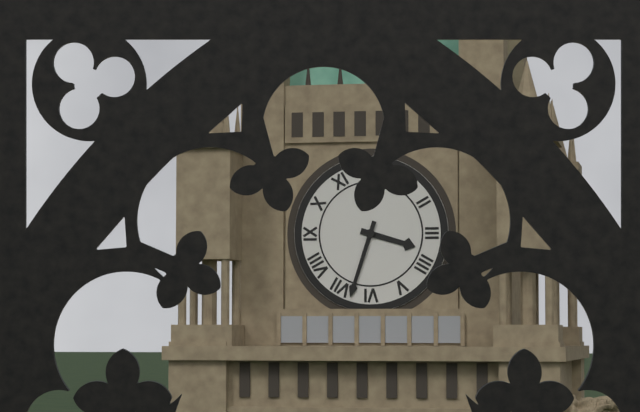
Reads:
3,33
